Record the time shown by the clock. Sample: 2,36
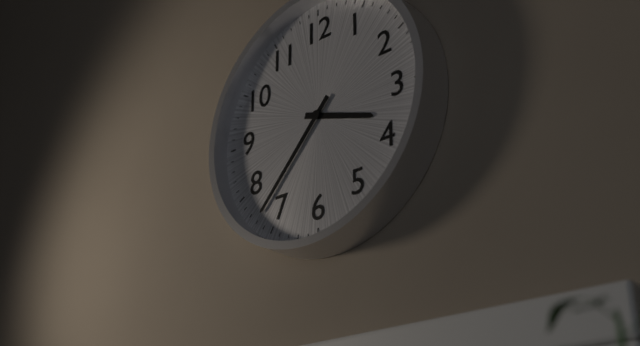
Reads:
3,37
